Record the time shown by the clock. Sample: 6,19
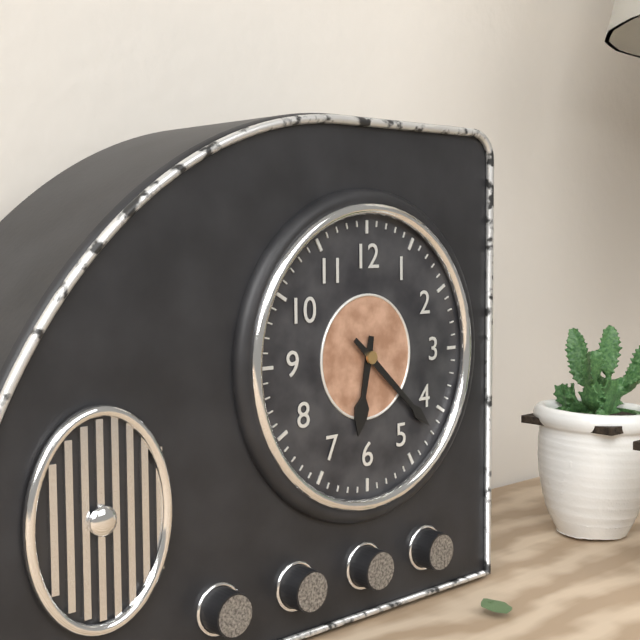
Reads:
6,22
